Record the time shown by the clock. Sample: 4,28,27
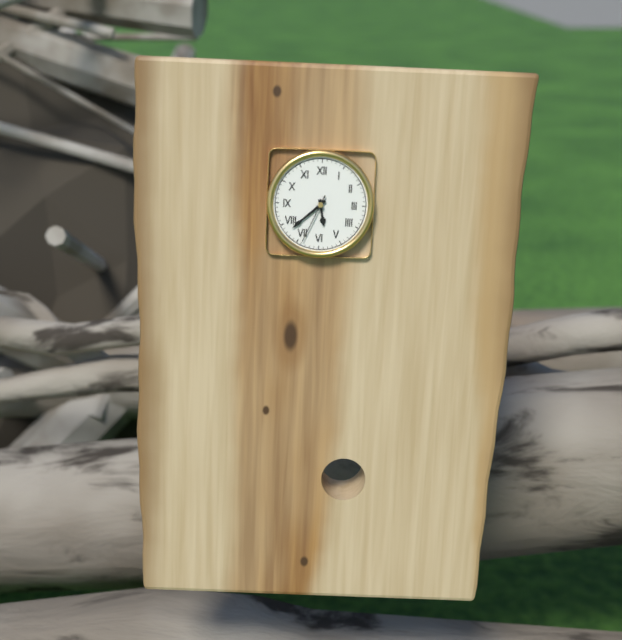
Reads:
5,38,34
